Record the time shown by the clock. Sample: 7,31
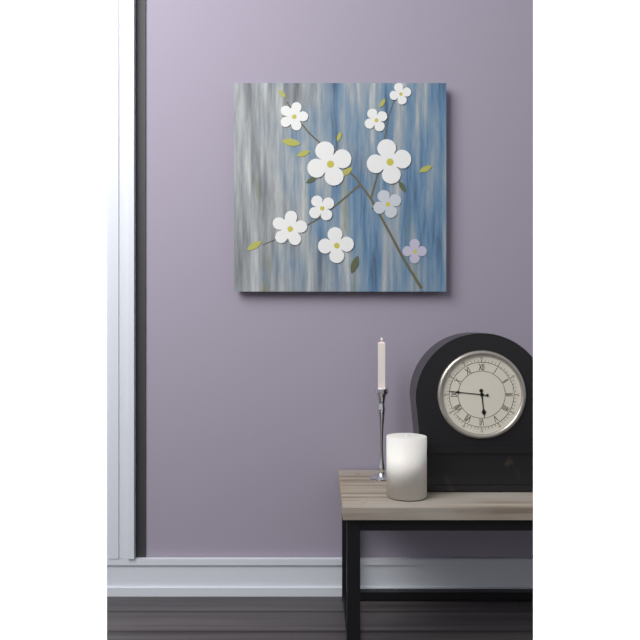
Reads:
5,46
